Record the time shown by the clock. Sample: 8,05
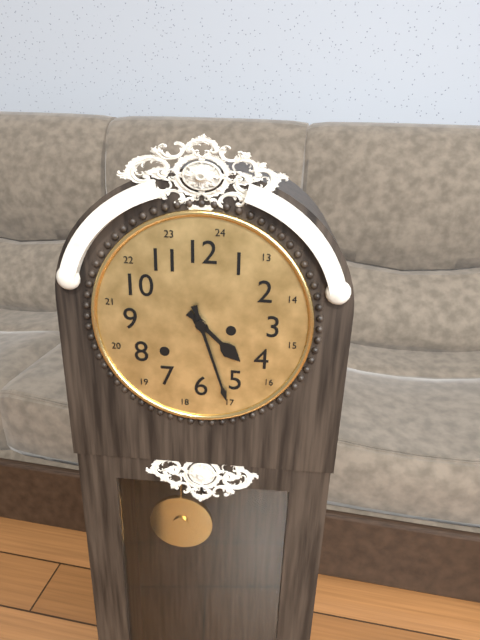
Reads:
4,27
